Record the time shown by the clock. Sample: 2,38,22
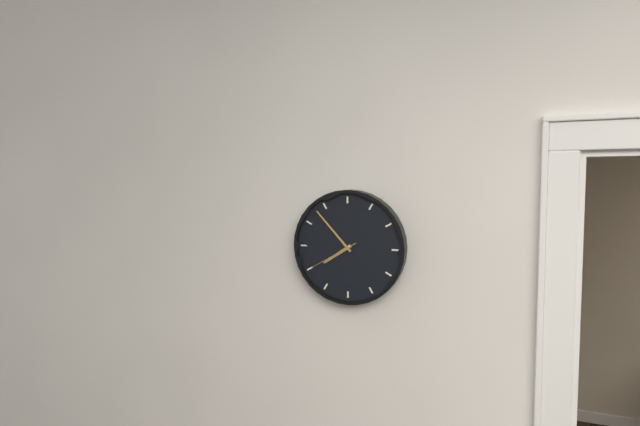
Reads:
7,53,40
